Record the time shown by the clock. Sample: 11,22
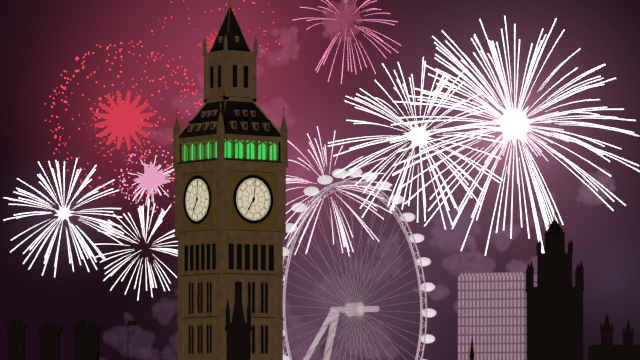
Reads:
7,01
